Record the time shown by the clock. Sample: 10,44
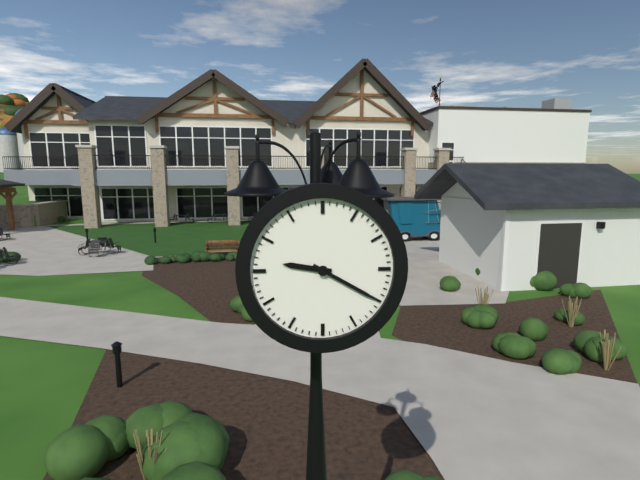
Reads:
9,20
